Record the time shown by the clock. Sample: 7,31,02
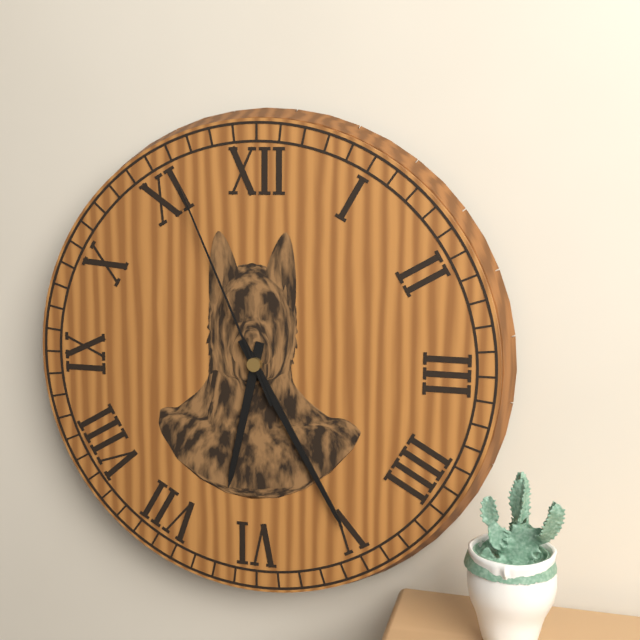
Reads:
6,25,56
